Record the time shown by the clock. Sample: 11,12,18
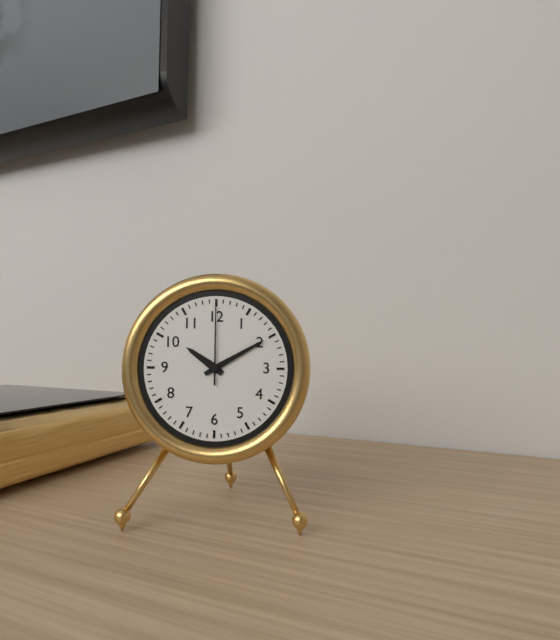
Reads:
10,10,00
